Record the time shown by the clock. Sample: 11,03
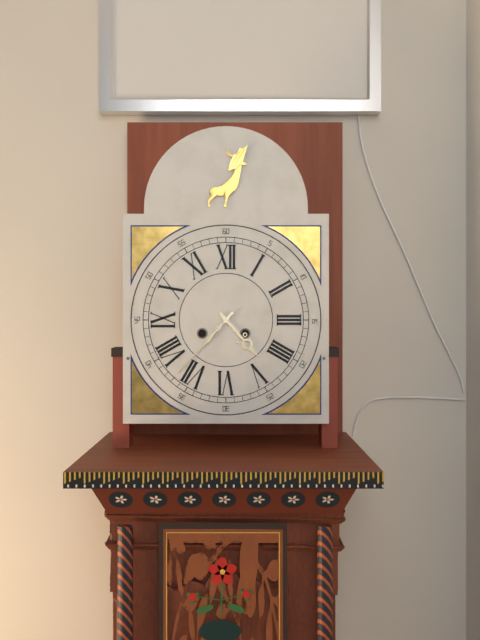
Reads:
4,37
